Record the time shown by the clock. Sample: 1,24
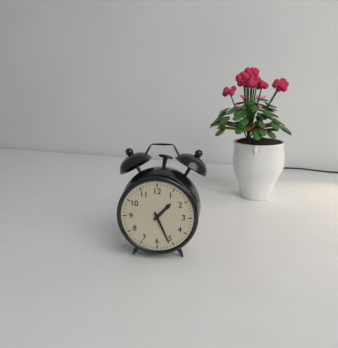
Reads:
1,26
